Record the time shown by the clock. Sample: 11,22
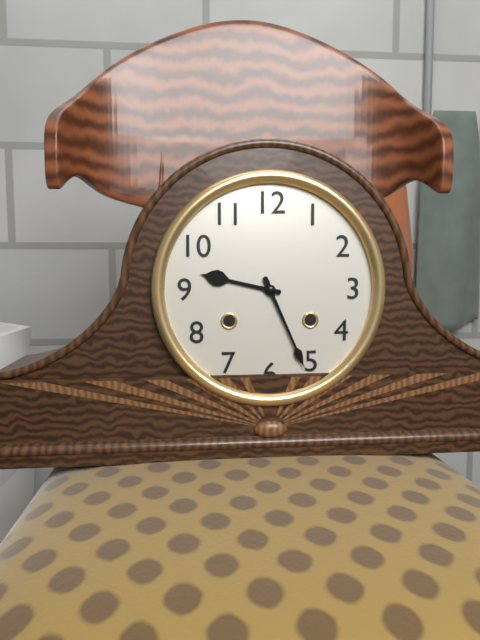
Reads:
9,26
